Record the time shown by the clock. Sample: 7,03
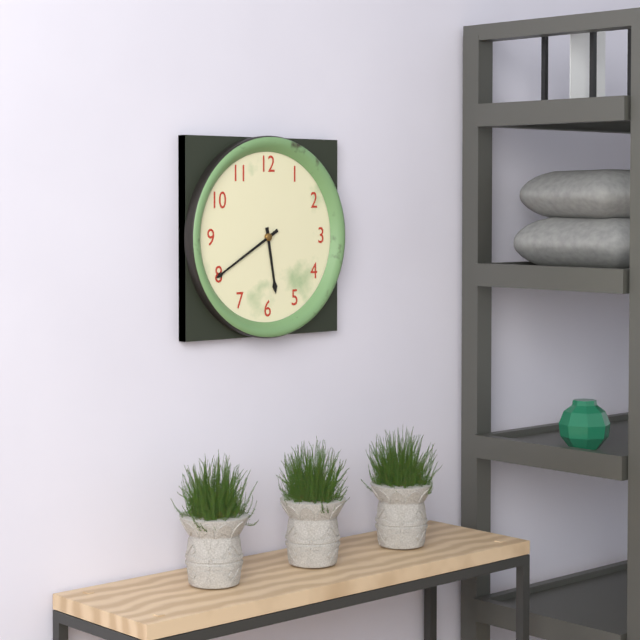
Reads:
5,40
